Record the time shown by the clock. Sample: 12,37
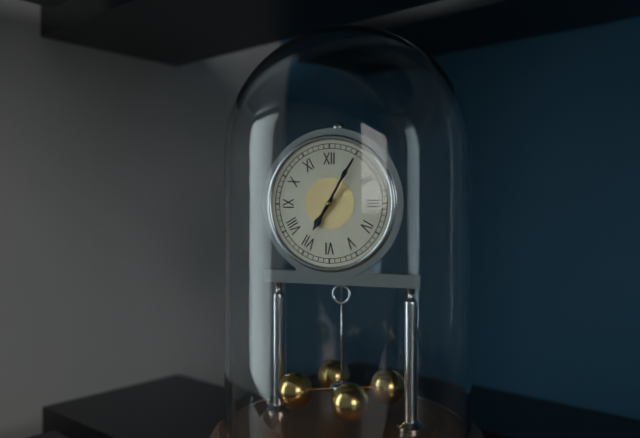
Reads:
7,05
